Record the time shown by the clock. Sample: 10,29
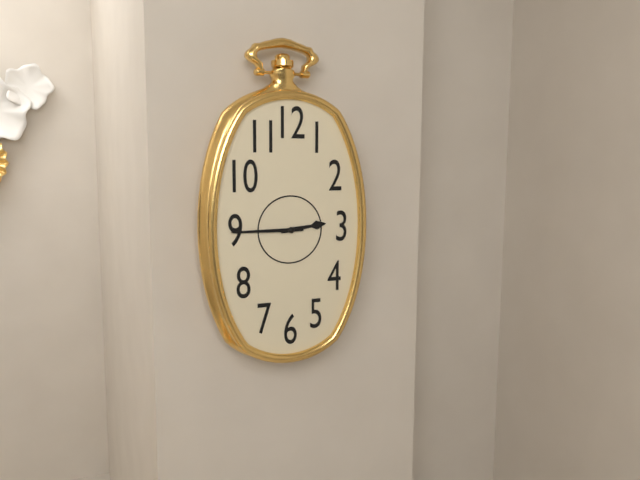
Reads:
2,45
